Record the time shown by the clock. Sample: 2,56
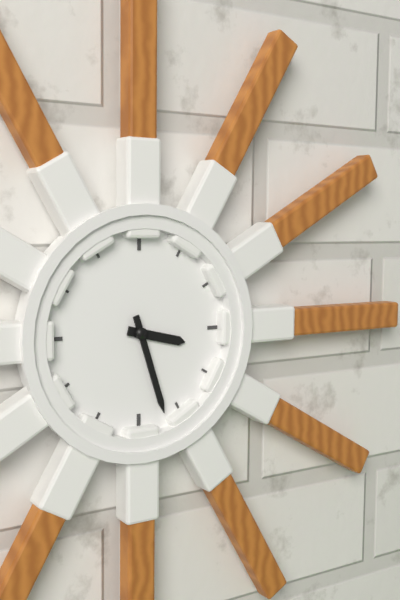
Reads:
3,27
